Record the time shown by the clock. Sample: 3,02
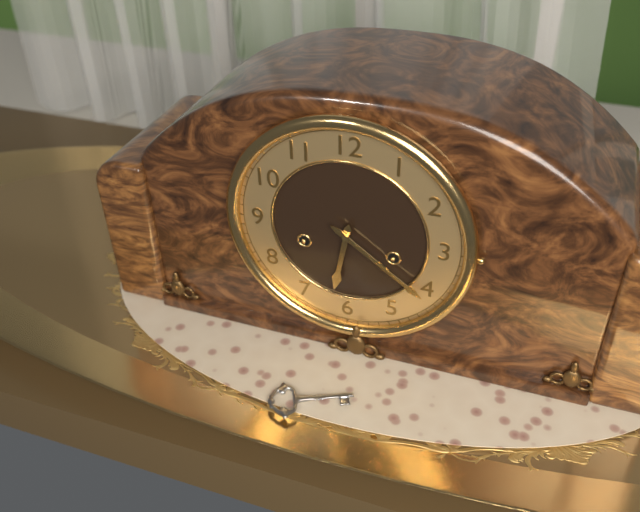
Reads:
6,21
